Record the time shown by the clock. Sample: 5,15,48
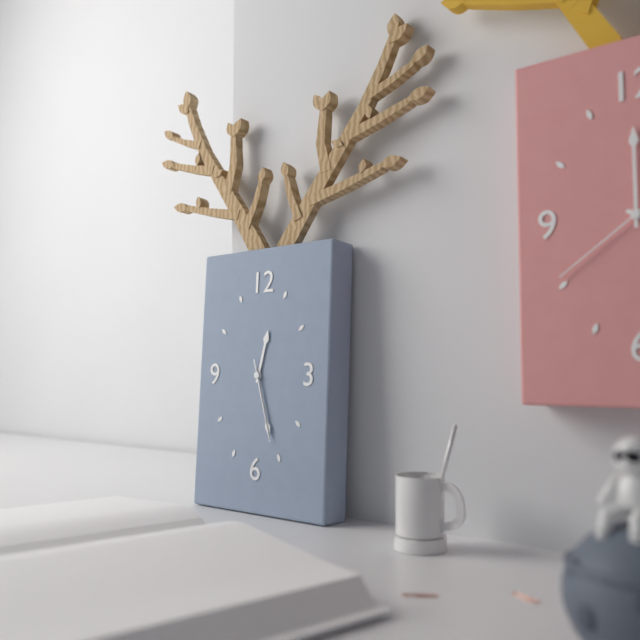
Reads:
12,27,27
